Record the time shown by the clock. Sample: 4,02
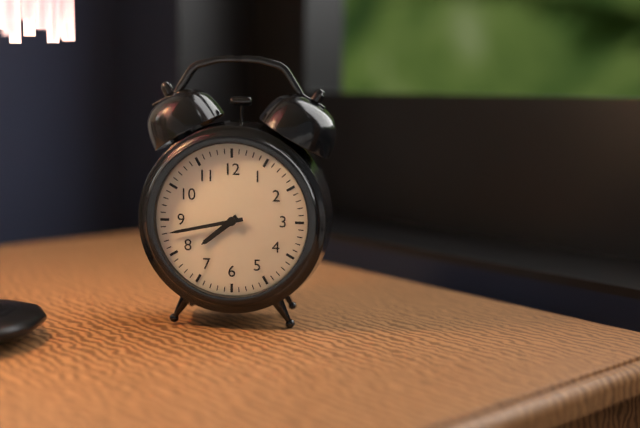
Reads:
7,43
